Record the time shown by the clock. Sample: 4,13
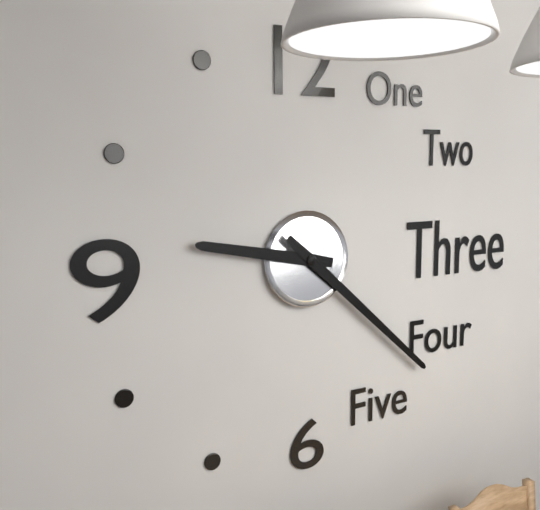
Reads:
9,22
